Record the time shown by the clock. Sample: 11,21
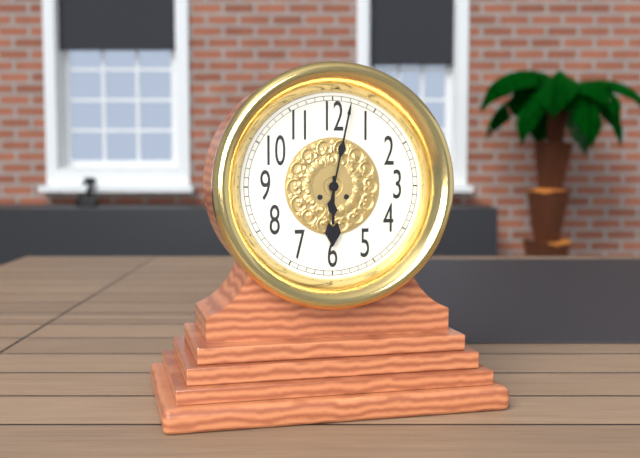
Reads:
6,02
